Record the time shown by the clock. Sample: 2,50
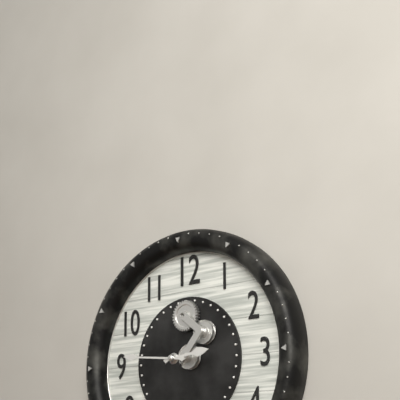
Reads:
2,46
